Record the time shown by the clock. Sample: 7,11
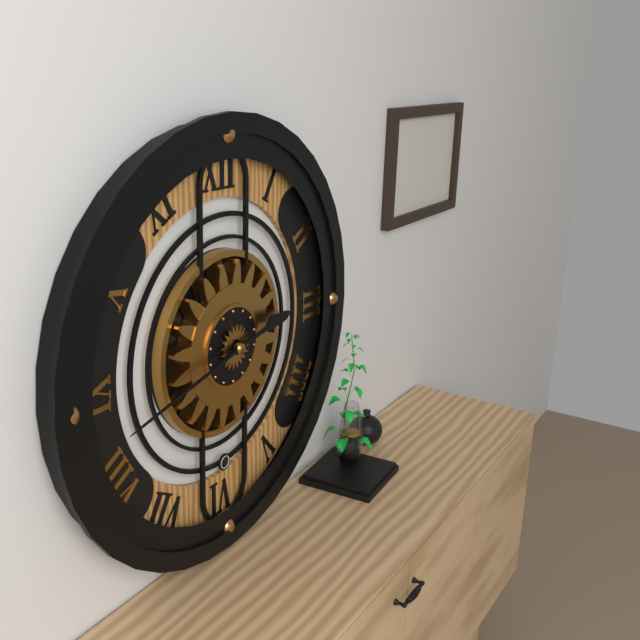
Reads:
2,43
